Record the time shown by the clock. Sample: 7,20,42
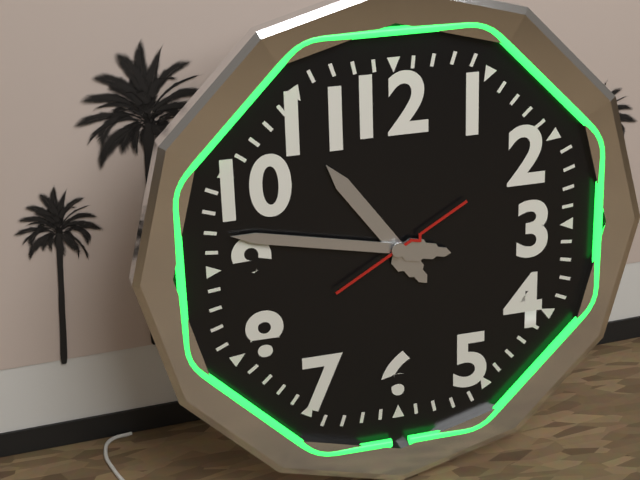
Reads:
10,47,10
